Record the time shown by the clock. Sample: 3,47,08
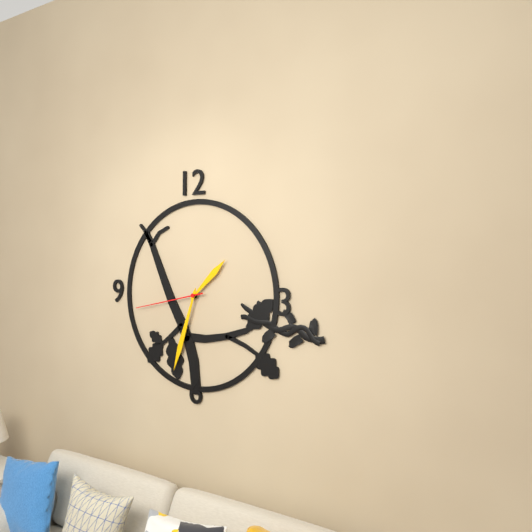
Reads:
1,33,43
